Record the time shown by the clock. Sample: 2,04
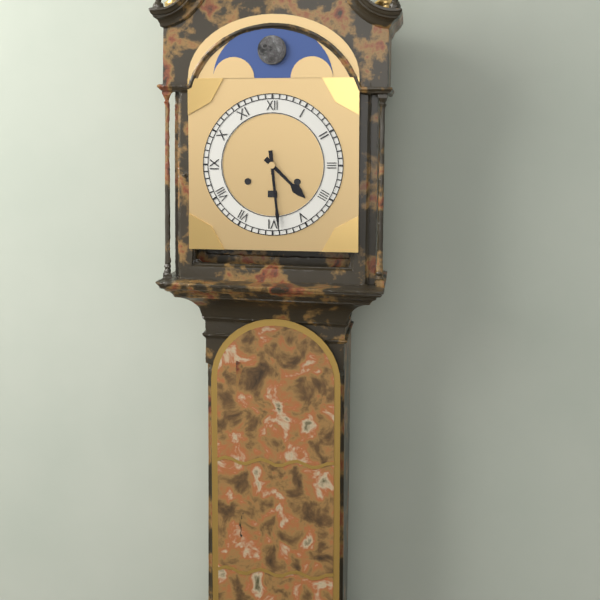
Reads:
4,29
